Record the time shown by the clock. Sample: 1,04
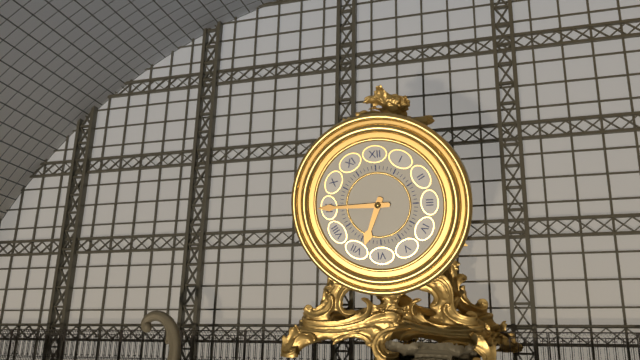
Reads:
6,45
